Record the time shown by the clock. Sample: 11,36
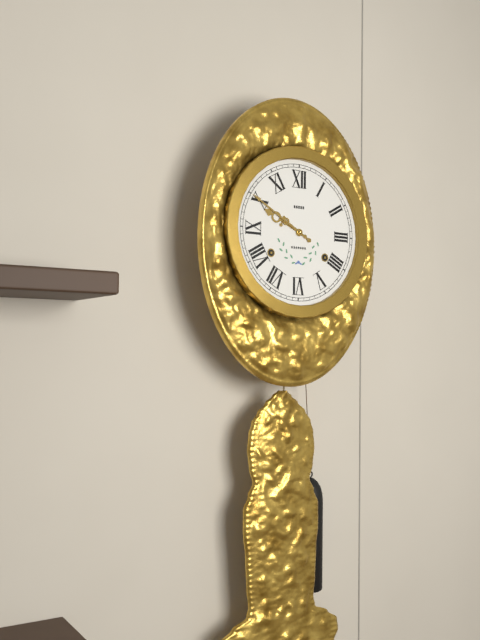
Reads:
9,50
